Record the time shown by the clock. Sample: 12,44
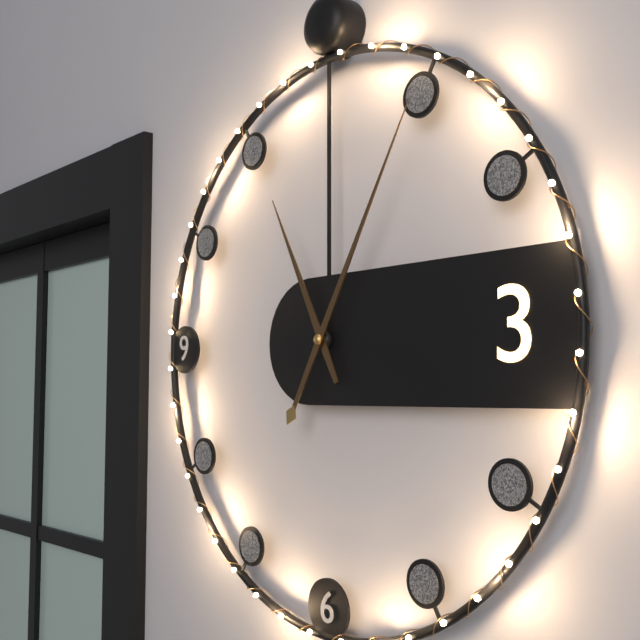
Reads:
11,05
